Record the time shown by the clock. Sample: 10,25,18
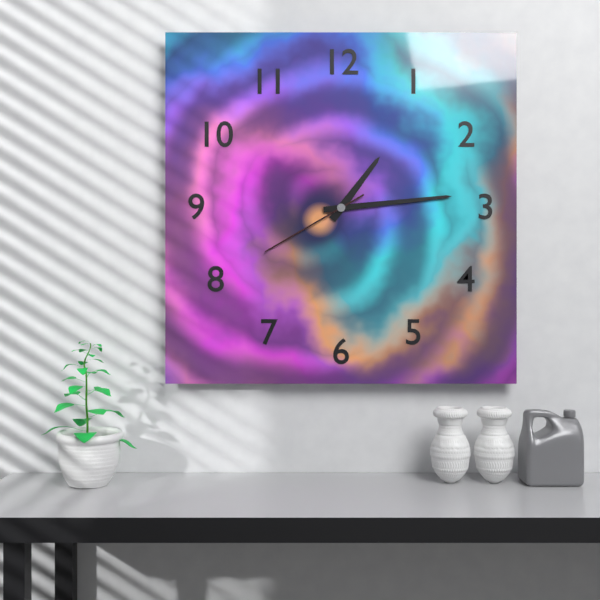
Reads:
1,14,40
